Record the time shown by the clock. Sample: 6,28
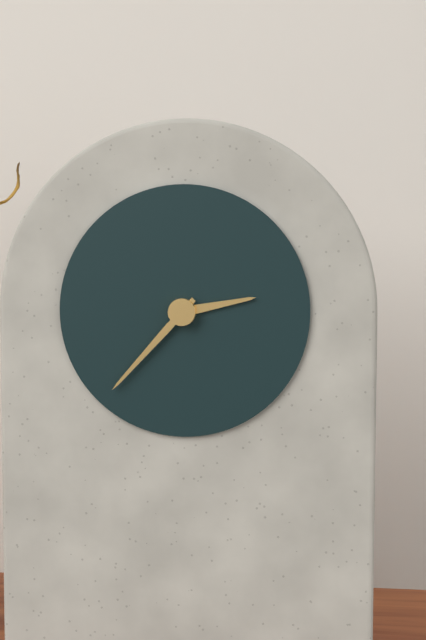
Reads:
2,37
